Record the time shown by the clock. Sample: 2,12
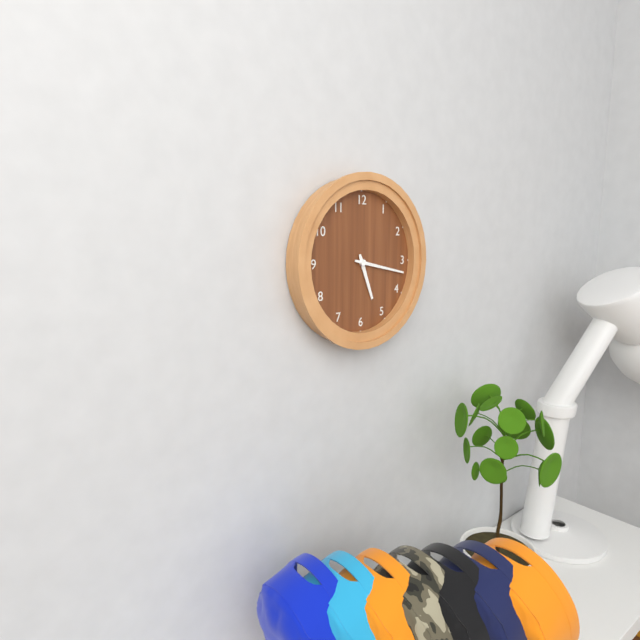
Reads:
5,17
